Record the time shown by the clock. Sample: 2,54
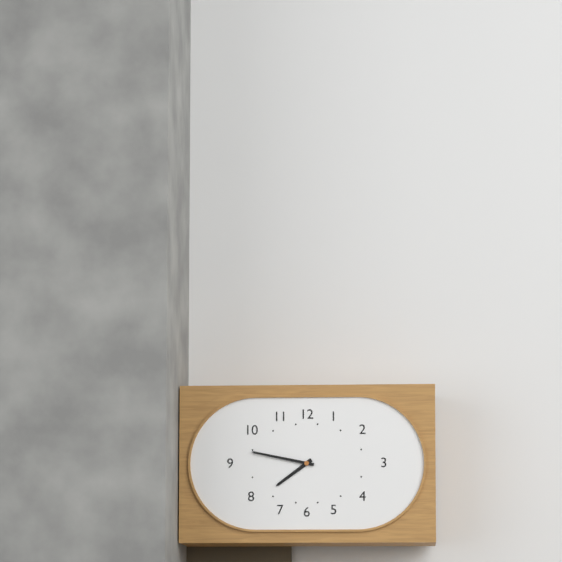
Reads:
7,47
